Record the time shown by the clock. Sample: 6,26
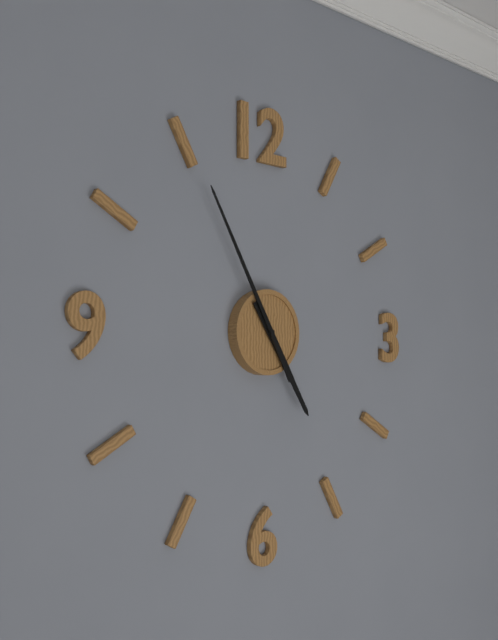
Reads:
4,55
